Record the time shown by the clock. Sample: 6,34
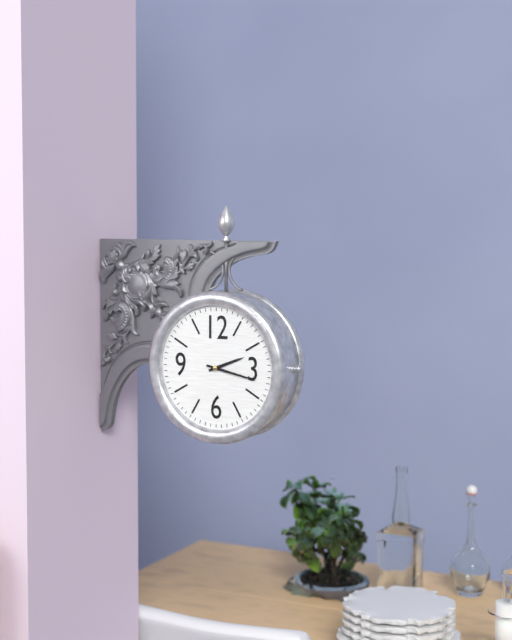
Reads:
2,17
